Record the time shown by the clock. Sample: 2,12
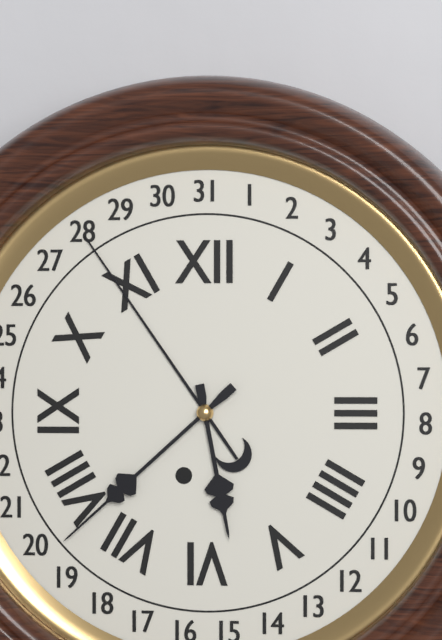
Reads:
5,38
